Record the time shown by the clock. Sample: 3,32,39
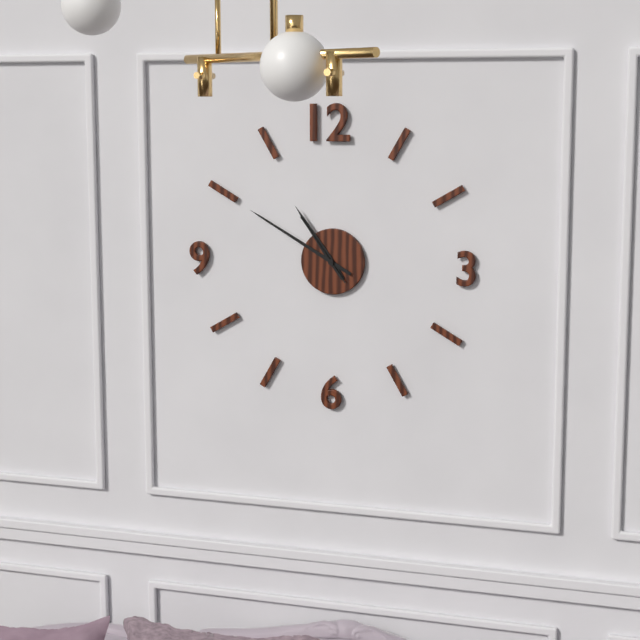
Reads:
10,50,54
